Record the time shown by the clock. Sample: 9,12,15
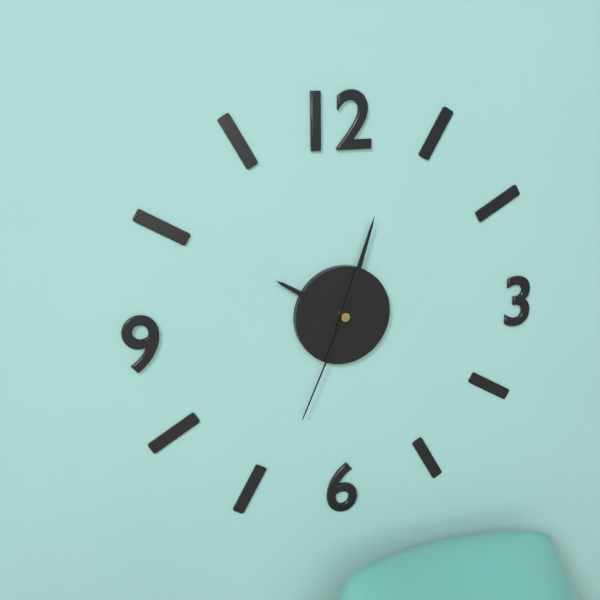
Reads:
10,03,34
